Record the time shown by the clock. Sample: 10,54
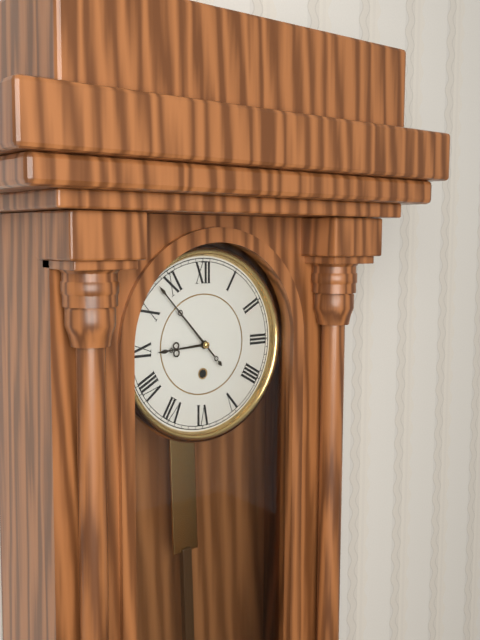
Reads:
8,53
